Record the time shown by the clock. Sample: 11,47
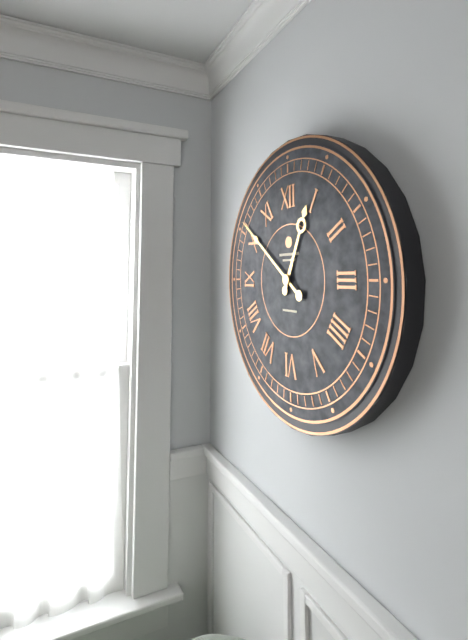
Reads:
12,51
